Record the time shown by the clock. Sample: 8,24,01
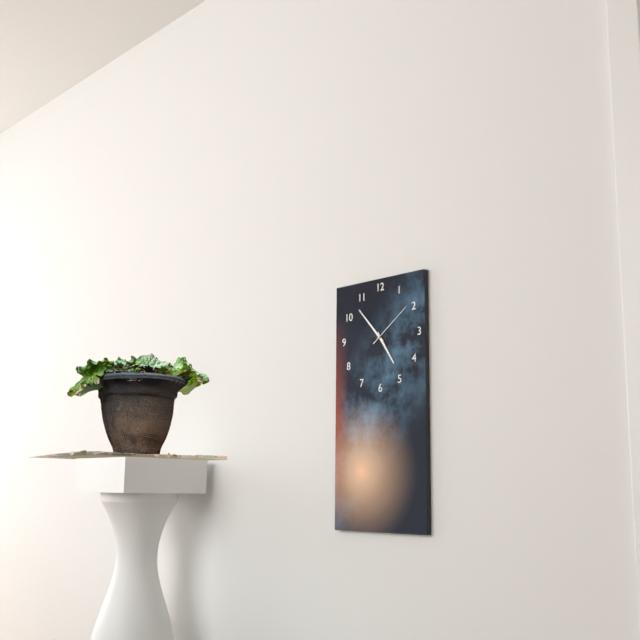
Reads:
4,53,09
